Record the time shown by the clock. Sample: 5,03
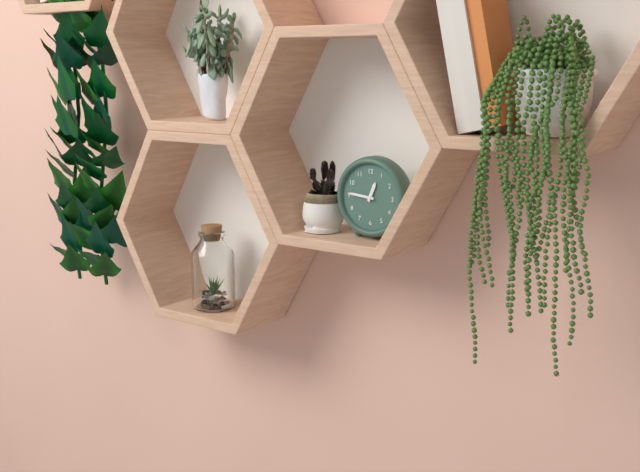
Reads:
12,46
